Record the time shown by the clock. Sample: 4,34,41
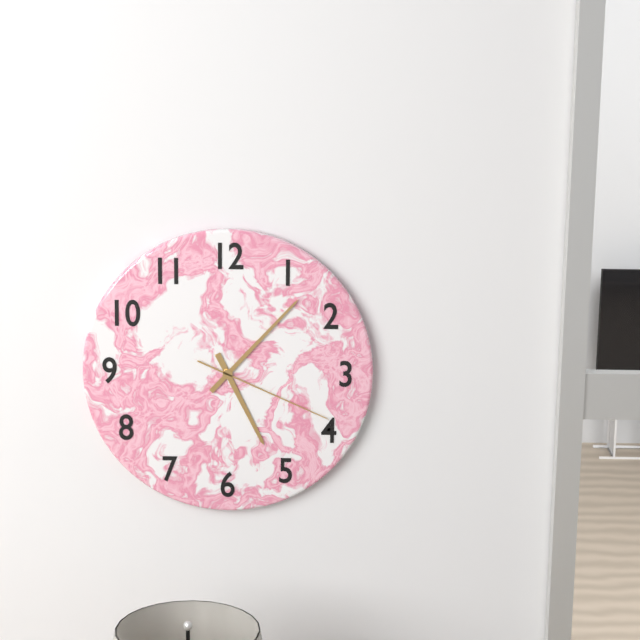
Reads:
5,07,19
